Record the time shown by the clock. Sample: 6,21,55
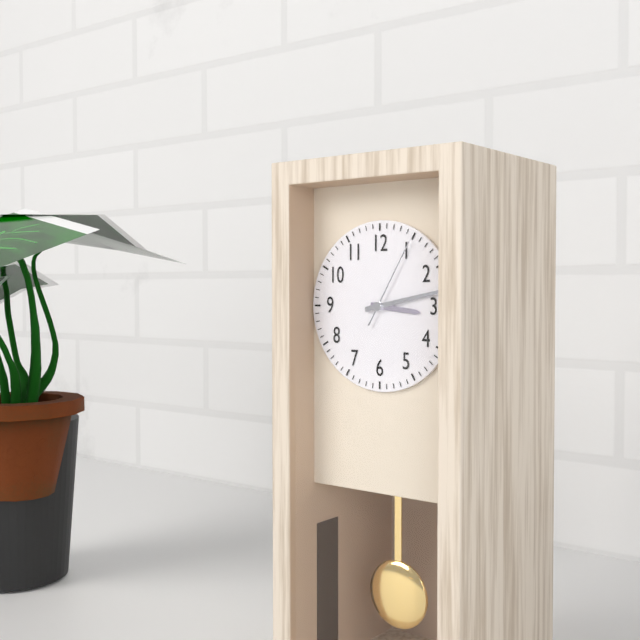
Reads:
3,13,05
